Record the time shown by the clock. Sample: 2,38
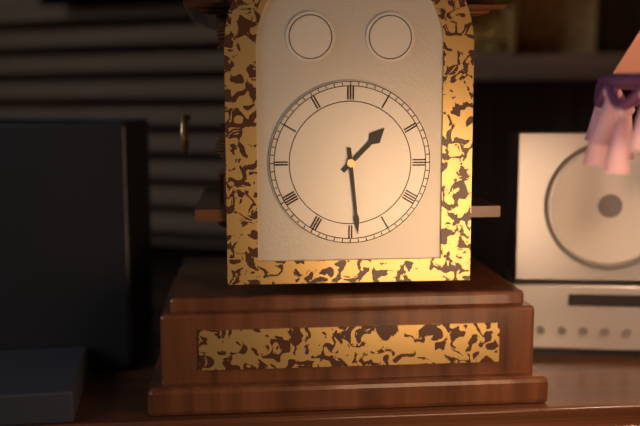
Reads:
1,29
